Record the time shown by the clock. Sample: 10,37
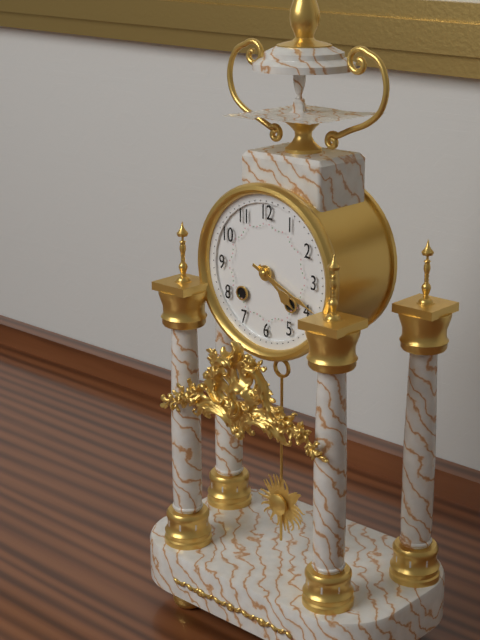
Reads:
4,19
